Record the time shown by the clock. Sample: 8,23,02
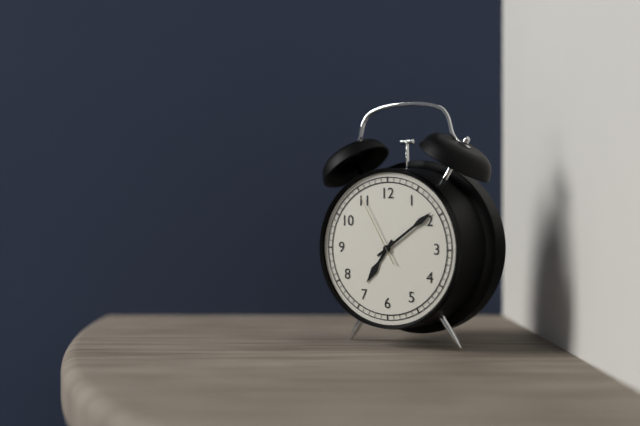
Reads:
7,09,55
